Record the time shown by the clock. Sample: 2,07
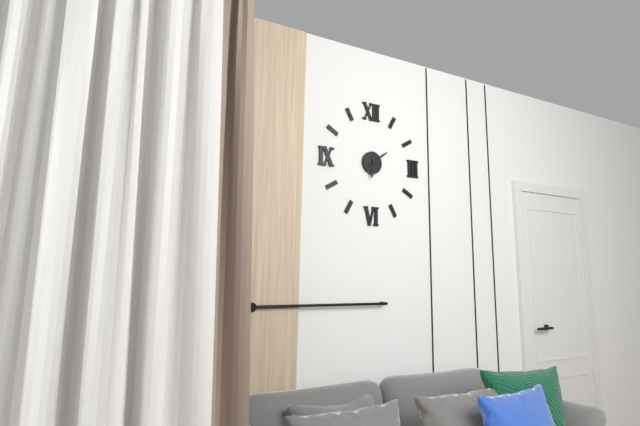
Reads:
6,09
